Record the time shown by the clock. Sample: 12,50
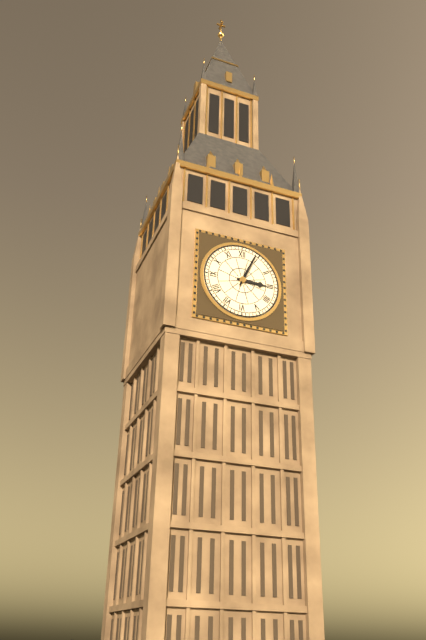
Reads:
3,04
